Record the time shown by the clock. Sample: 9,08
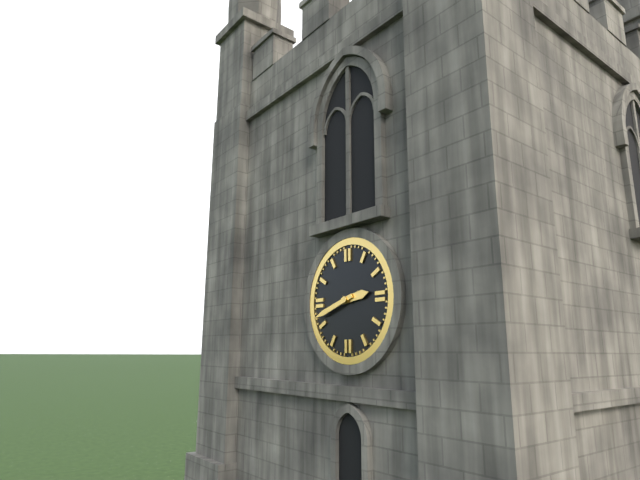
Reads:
2,42
